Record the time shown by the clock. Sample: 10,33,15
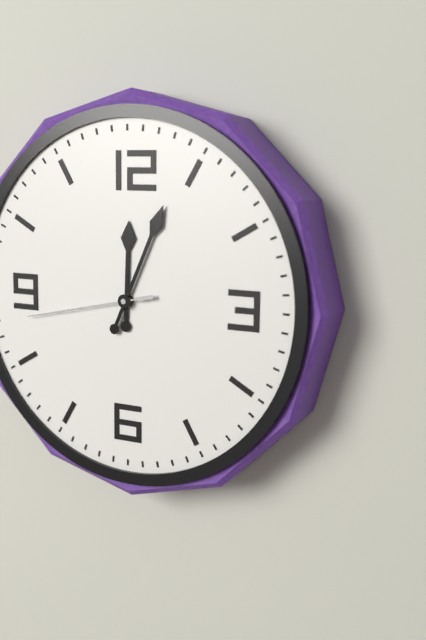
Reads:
12,04,43
